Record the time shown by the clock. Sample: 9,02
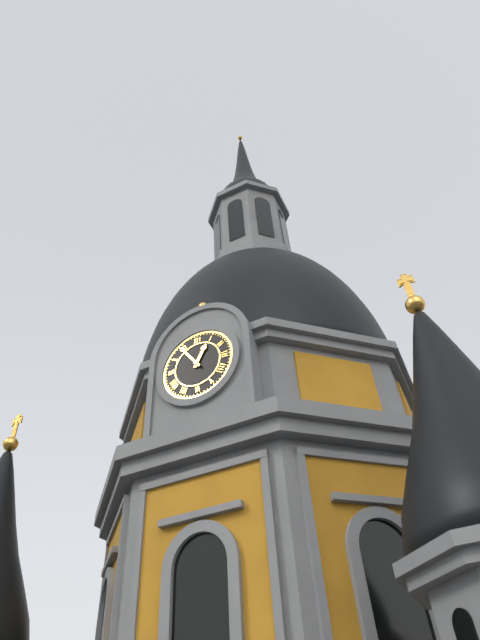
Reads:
12,54
